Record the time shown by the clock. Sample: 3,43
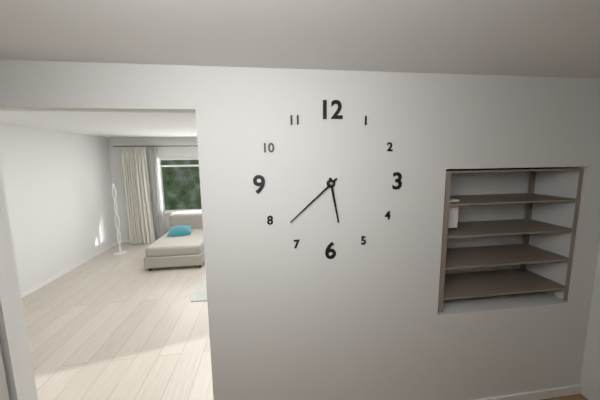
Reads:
5,38
